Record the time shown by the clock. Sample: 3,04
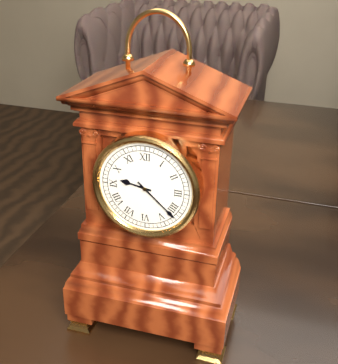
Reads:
9,22
